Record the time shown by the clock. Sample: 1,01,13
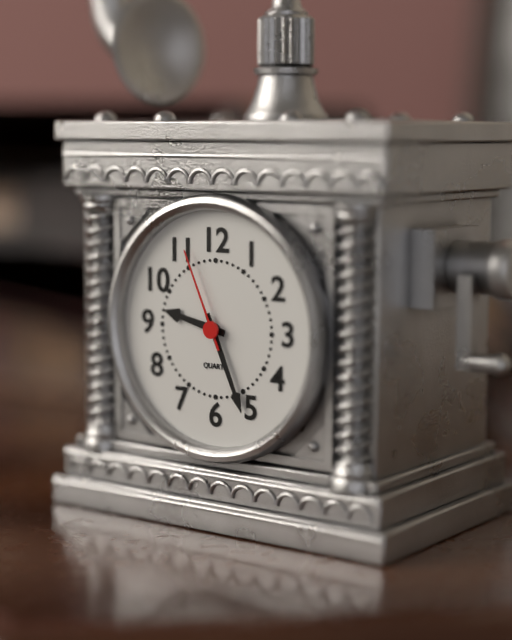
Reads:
9,26,56
